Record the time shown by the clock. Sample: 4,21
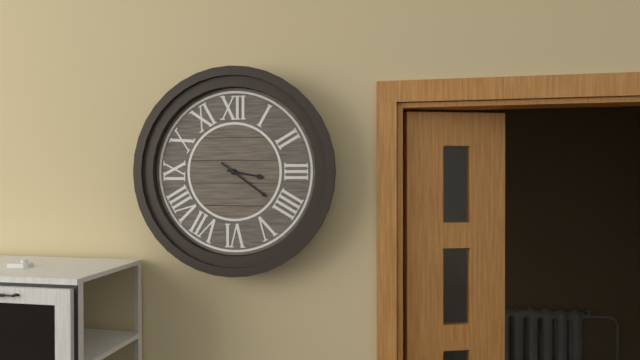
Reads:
3,21
